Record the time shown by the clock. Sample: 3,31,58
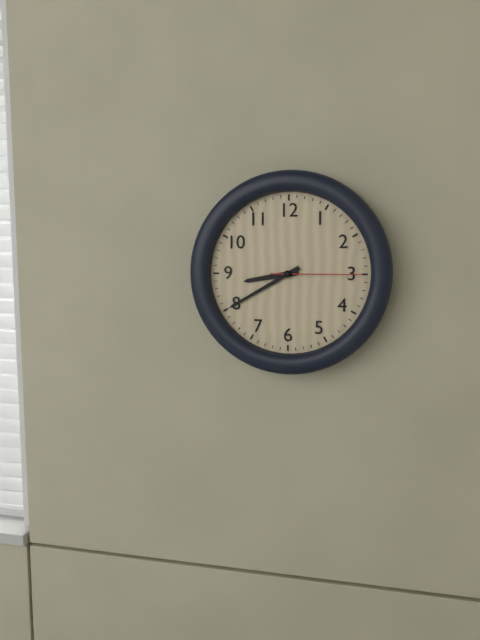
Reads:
8,40,15
